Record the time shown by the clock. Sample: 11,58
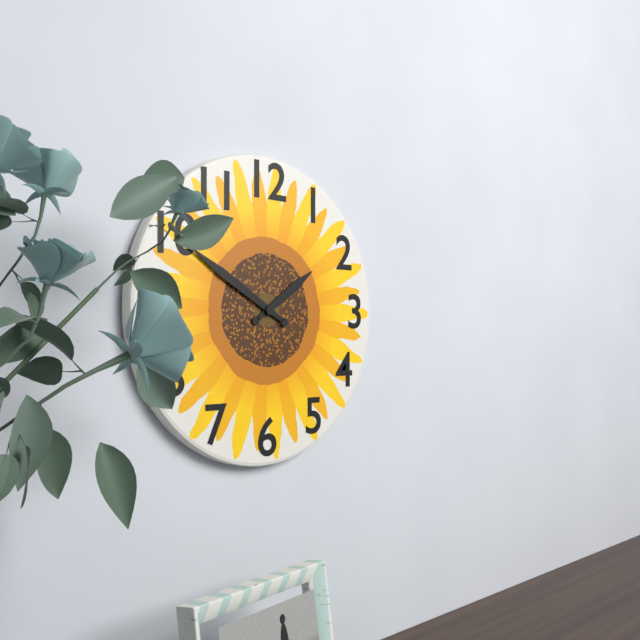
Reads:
1,50
